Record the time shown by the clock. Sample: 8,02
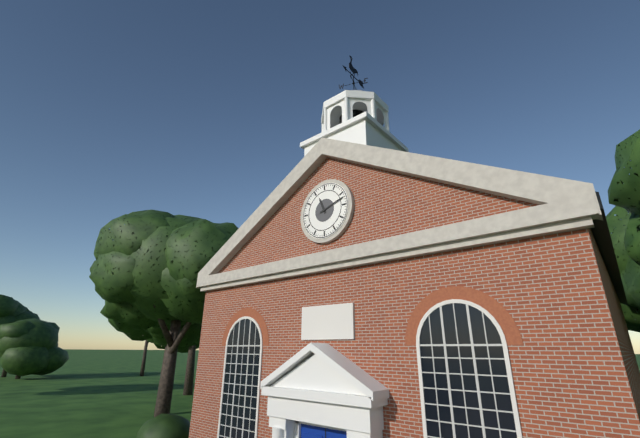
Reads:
11,12
